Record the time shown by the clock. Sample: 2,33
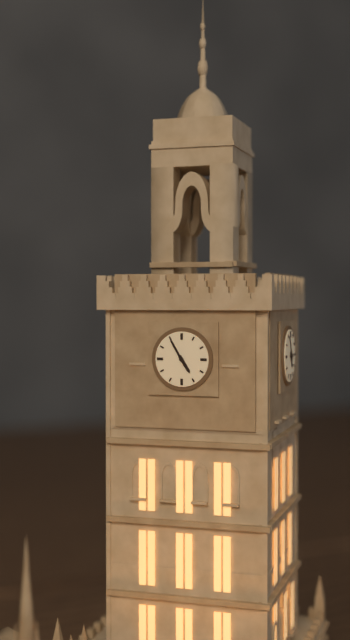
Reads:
4,55
